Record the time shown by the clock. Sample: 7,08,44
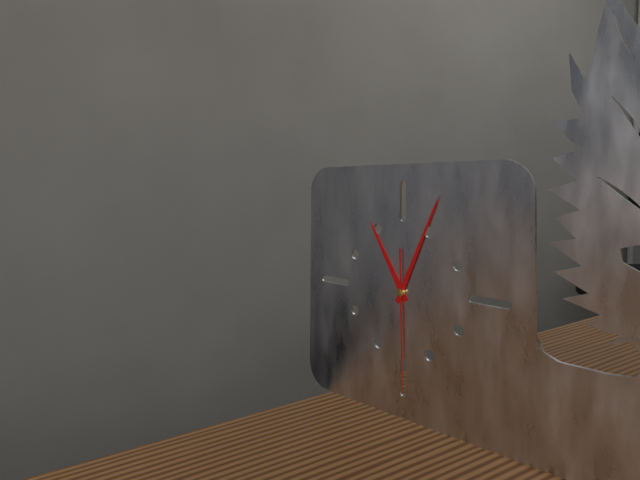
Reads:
11,04,30
